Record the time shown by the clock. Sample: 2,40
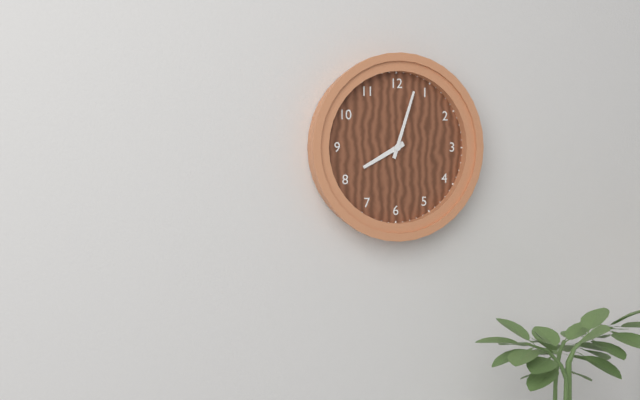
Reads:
8,03
